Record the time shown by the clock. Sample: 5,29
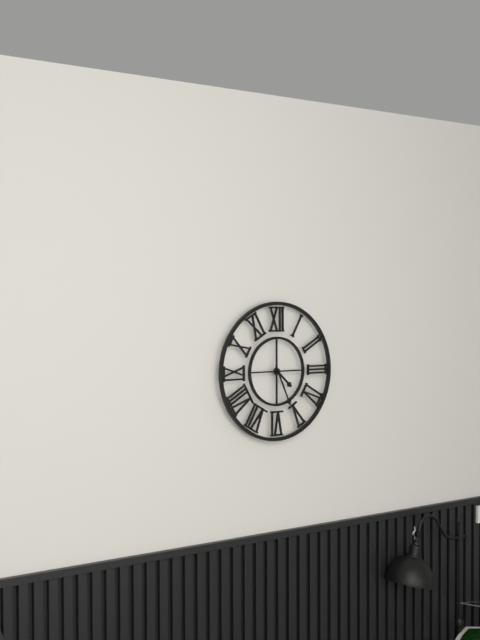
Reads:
4,26
